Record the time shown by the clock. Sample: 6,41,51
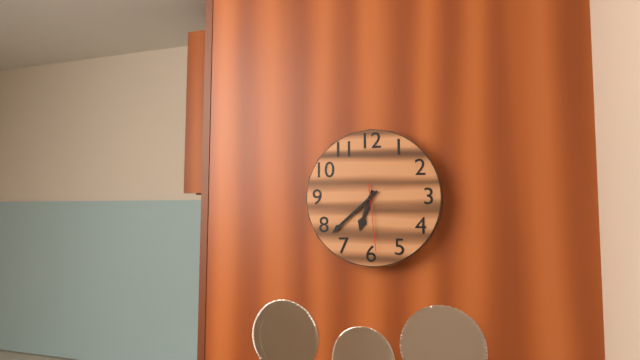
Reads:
6,38,29
